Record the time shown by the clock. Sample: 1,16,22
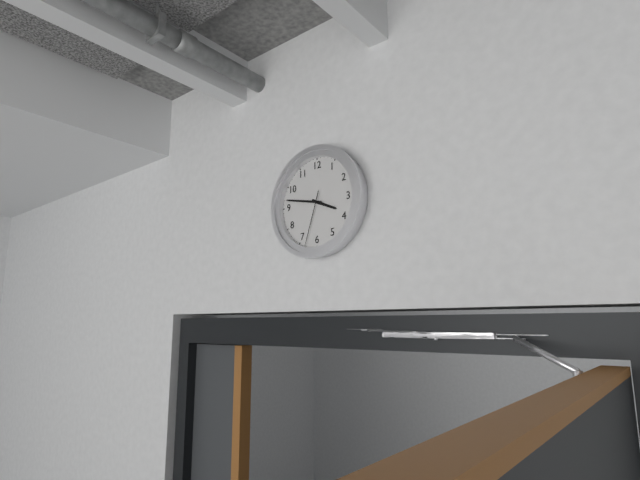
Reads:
3,47,33
